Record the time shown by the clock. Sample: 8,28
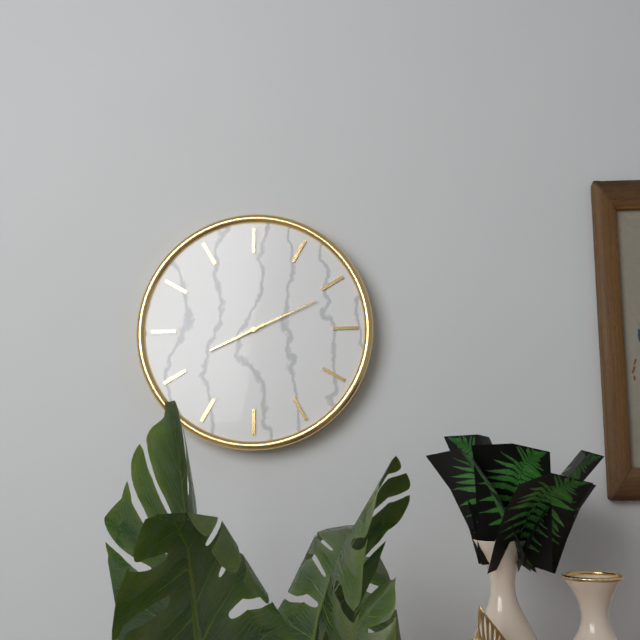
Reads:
8,11
